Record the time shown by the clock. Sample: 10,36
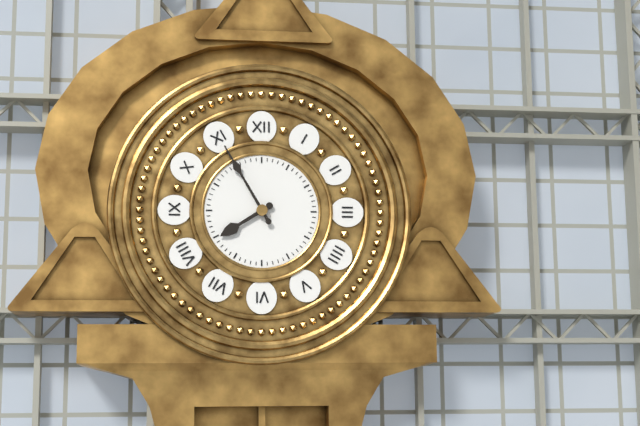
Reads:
7,55
